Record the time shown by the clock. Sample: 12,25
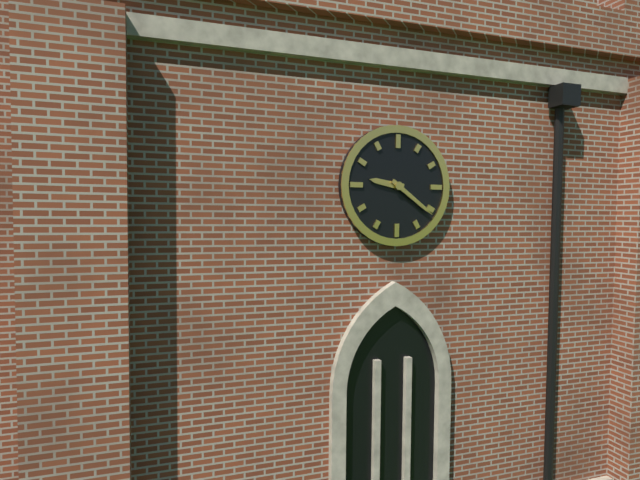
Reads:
9,21
